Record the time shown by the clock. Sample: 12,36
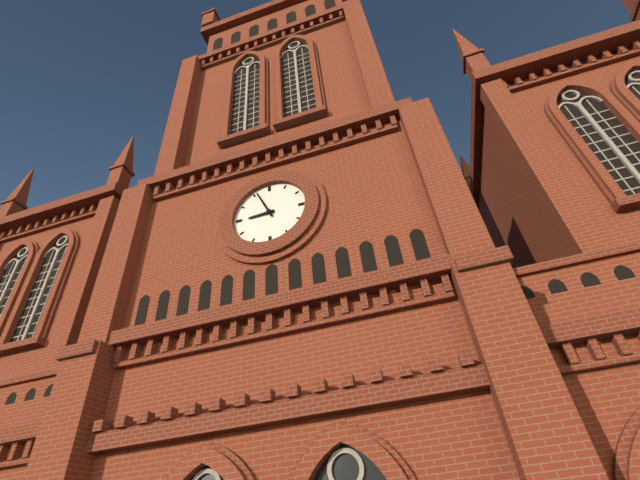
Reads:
8,56
